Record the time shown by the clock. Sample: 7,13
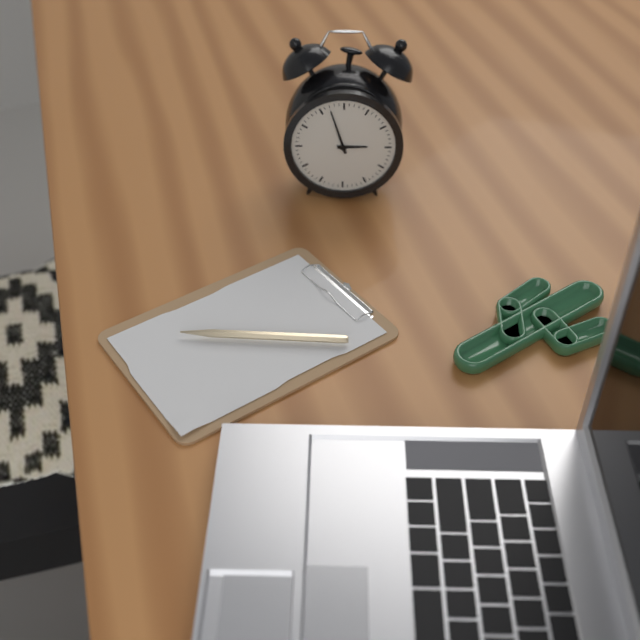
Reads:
2,57
